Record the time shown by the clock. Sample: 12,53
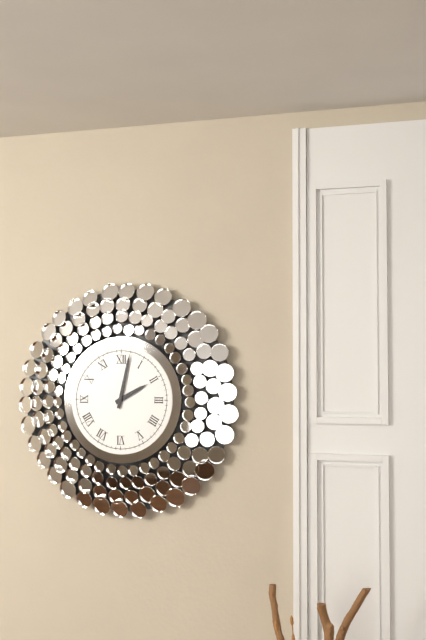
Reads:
2,02
